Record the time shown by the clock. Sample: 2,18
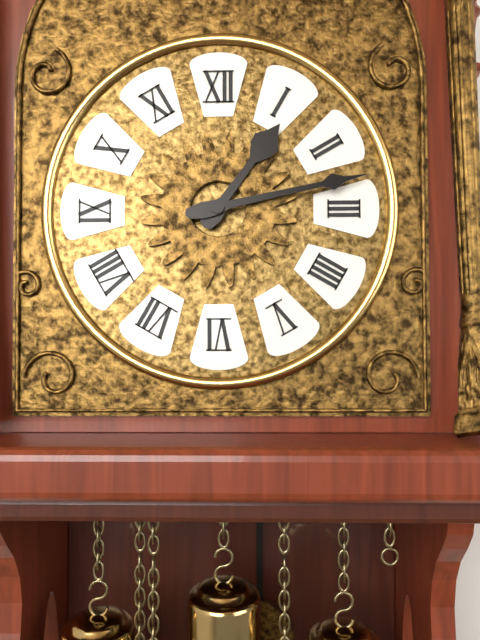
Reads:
1,13
